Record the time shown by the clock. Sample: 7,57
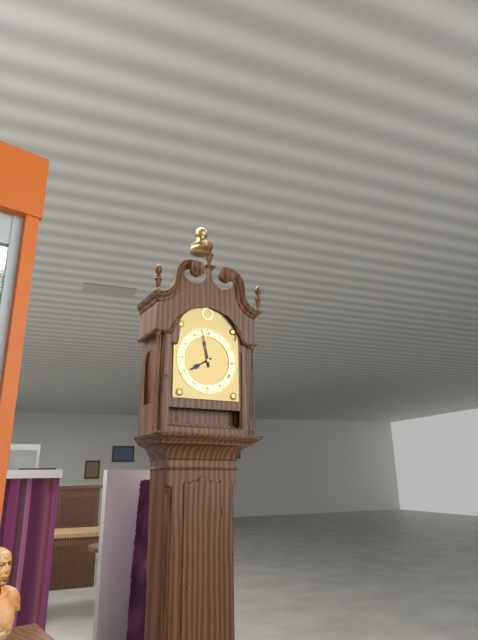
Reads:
7,58
